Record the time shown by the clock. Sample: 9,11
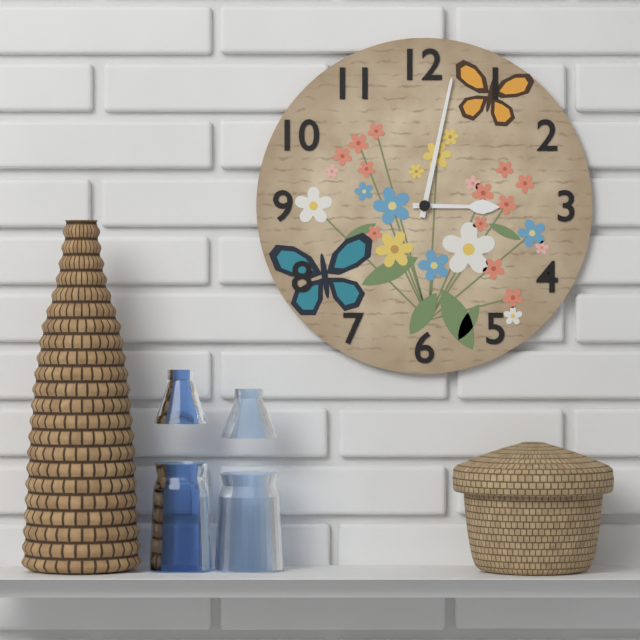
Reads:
3,02
